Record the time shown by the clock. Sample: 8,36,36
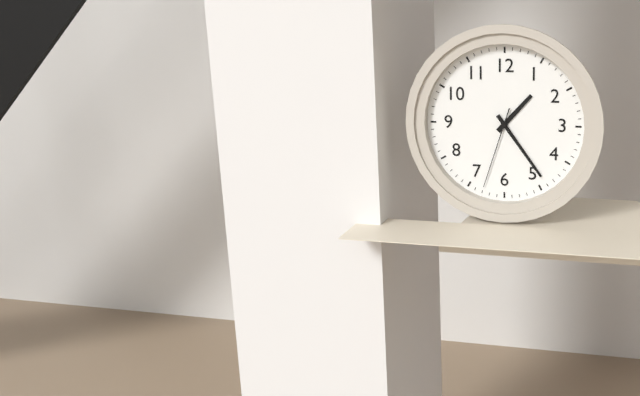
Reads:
1,24,33
